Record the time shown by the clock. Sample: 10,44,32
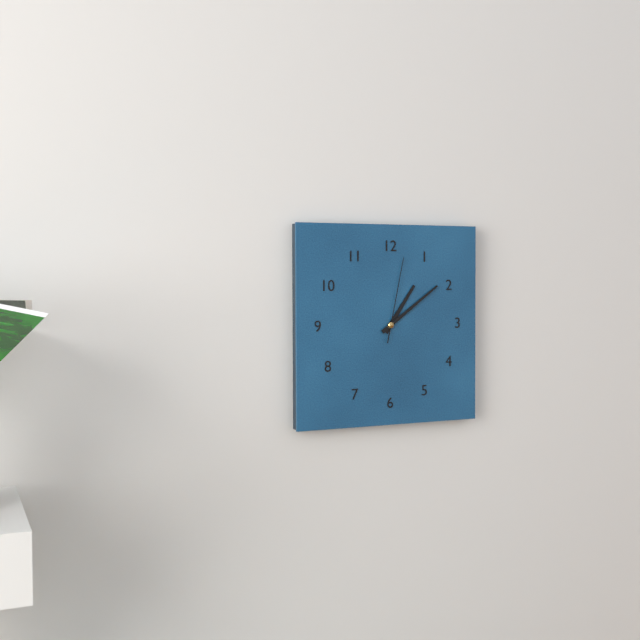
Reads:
1,09,02
